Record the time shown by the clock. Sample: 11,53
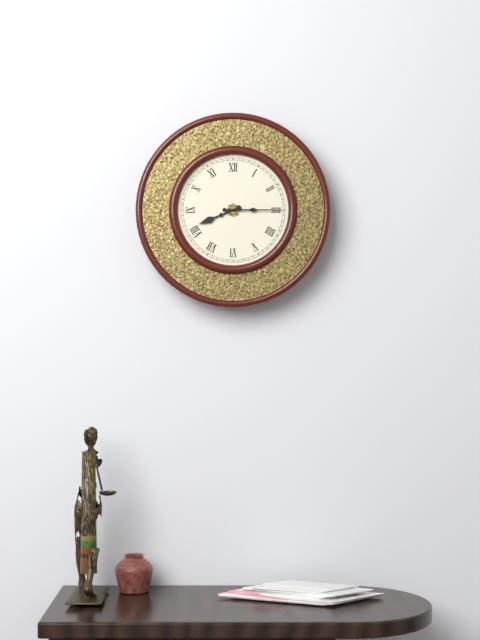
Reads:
8,15
